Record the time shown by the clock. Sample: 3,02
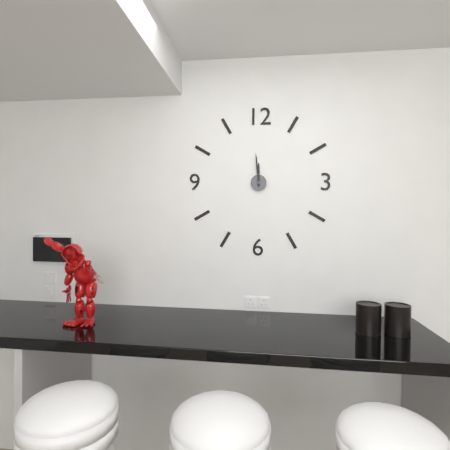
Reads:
11,59
